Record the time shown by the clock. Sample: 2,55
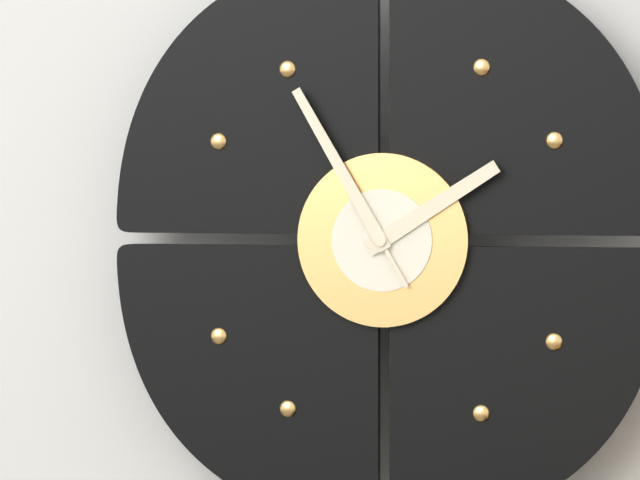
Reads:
1,55
